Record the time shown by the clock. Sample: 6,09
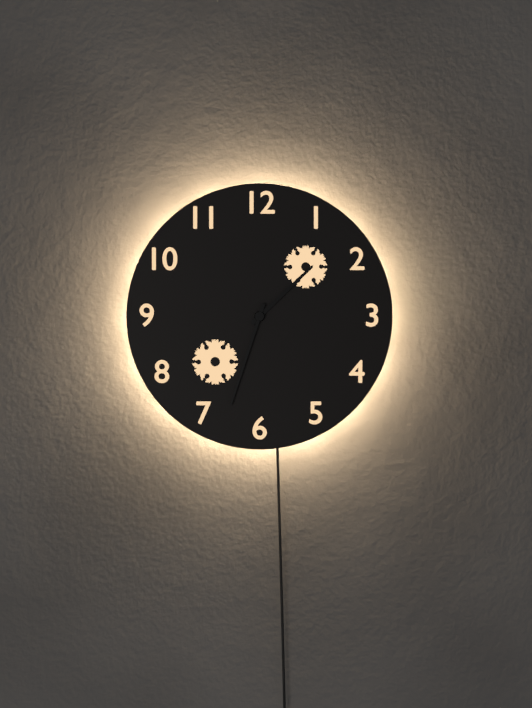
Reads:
1,33
